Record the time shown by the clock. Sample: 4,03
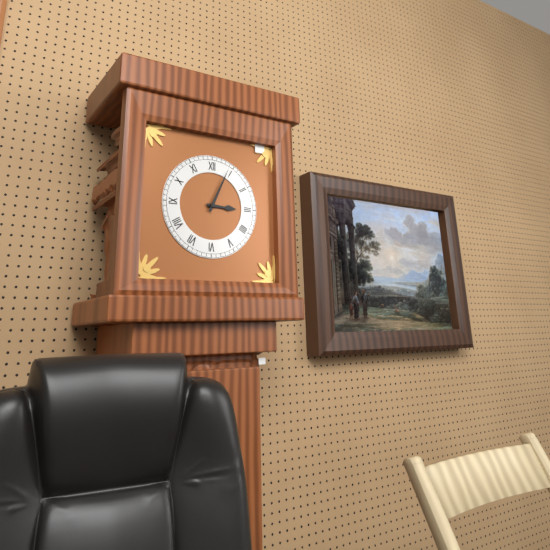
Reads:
3,04
